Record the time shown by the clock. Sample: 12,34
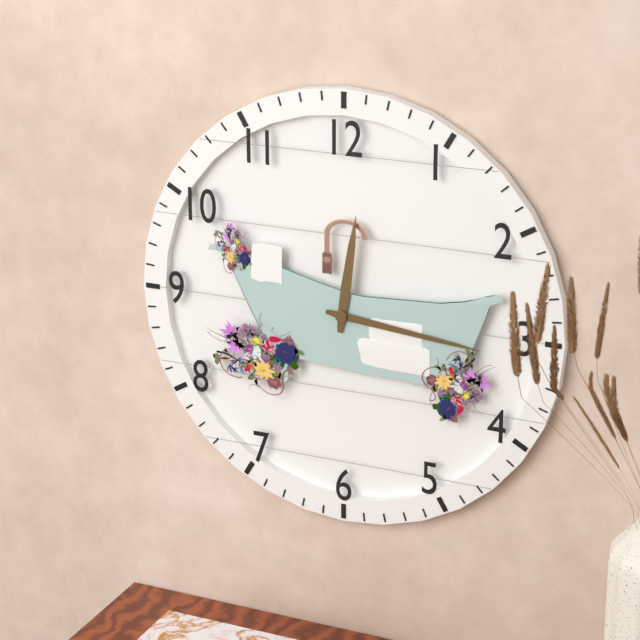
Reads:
12,16
